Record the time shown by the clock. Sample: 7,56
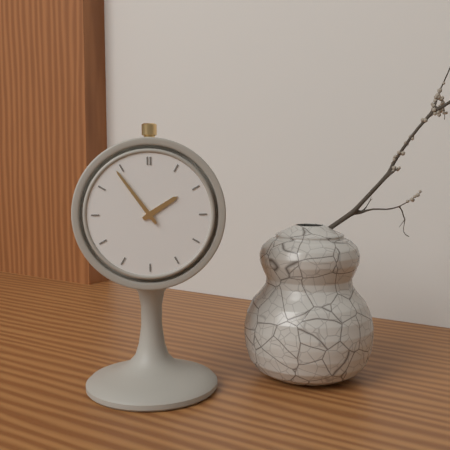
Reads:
1,54
